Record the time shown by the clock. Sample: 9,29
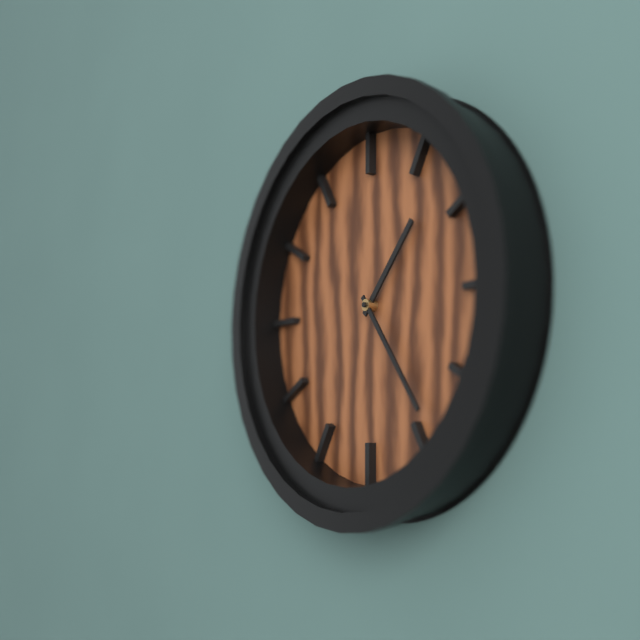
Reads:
1,24
